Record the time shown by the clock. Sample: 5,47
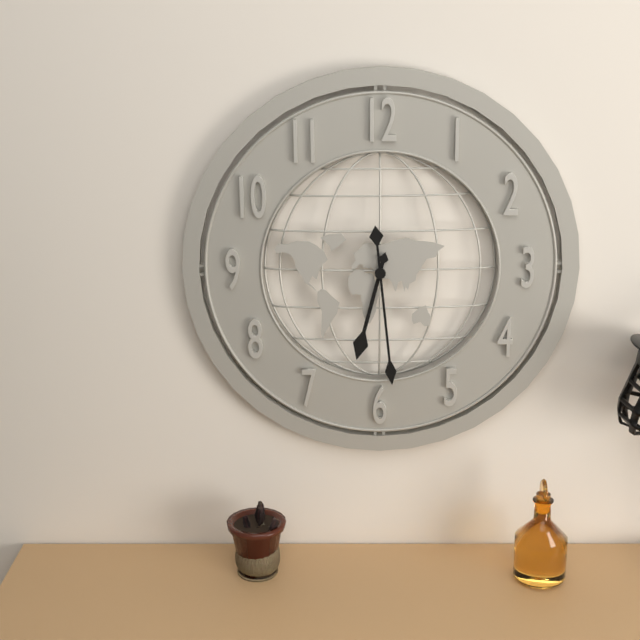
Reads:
6,29
